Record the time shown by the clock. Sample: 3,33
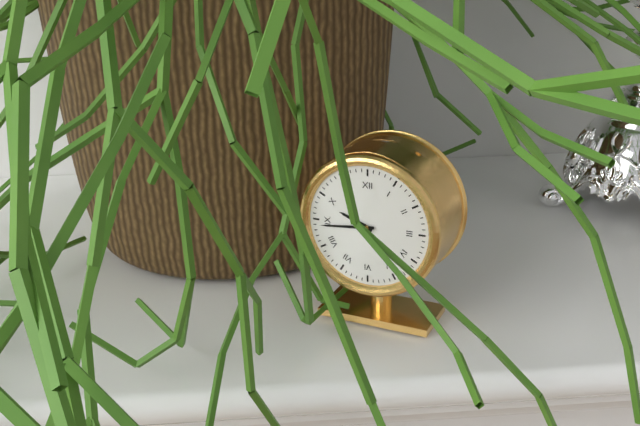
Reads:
9,44
